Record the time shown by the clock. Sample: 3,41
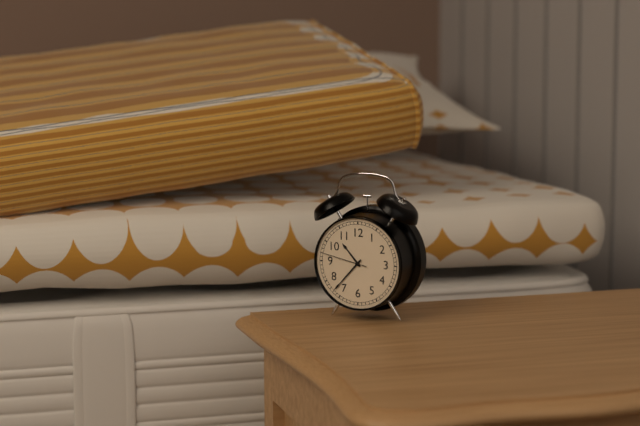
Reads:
10,37
